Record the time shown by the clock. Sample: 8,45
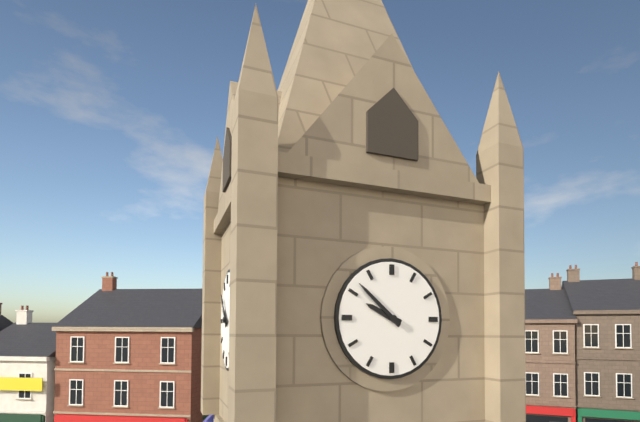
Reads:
9,52
